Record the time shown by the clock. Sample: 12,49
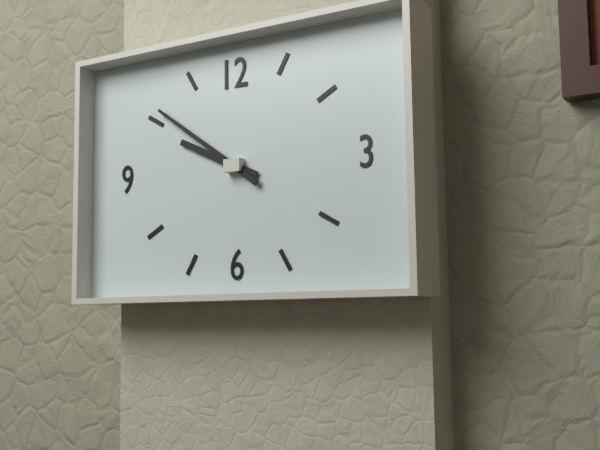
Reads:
9,51
